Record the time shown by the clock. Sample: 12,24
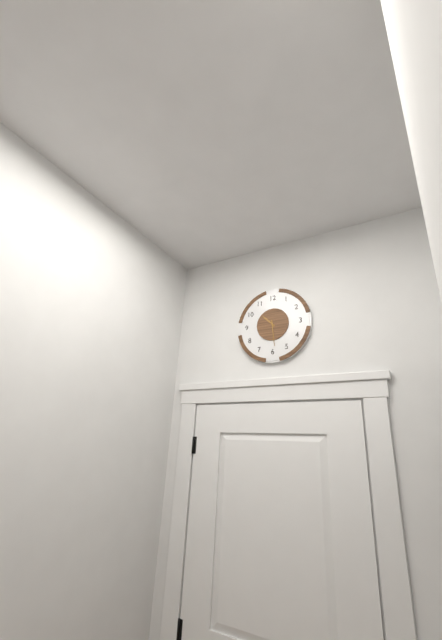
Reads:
10,29
